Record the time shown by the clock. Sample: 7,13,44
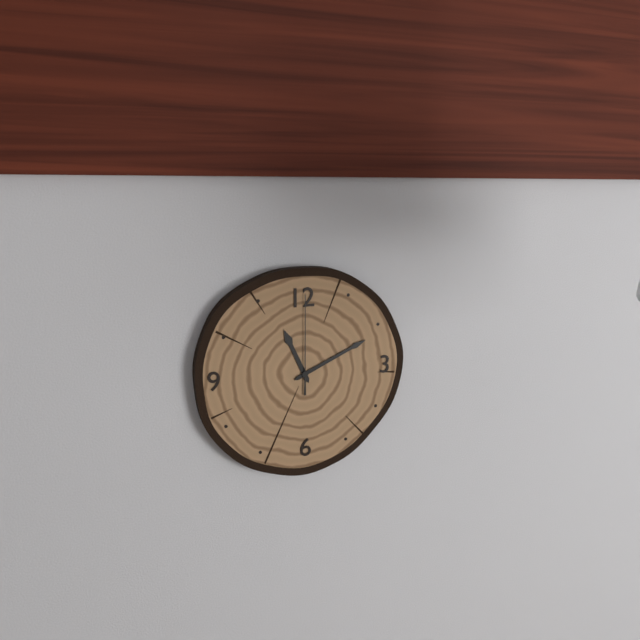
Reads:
11,11,00
